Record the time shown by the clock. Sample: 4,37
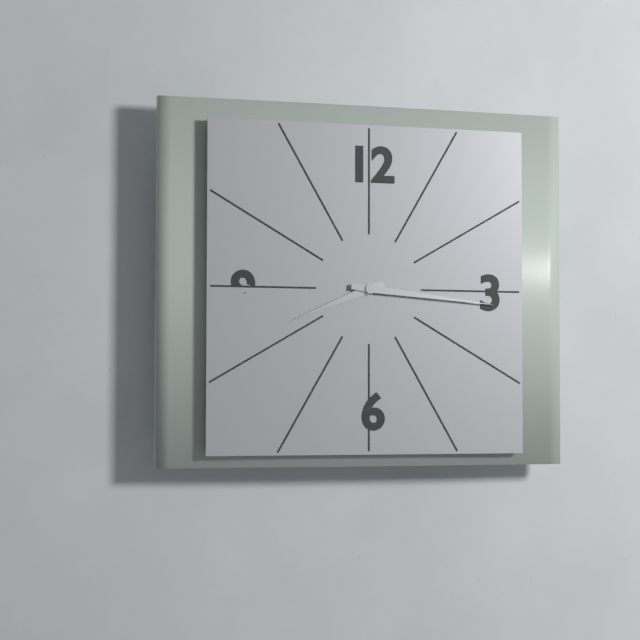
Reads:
8,16
